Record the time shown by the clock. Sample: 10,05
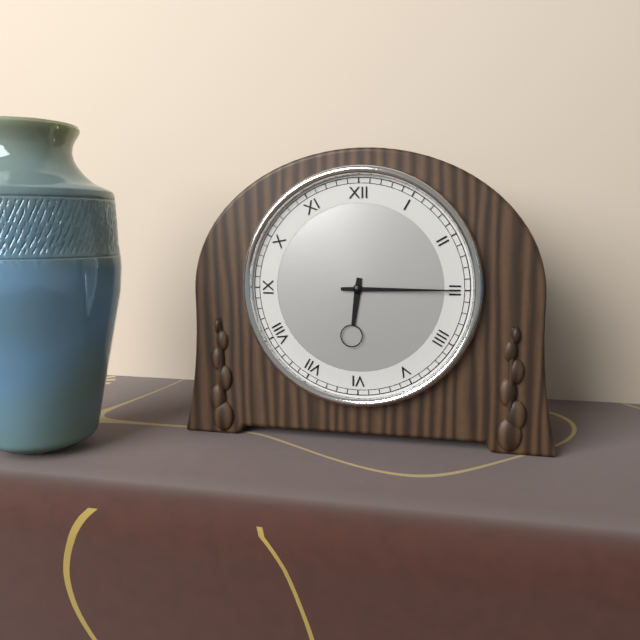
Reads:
6,15
